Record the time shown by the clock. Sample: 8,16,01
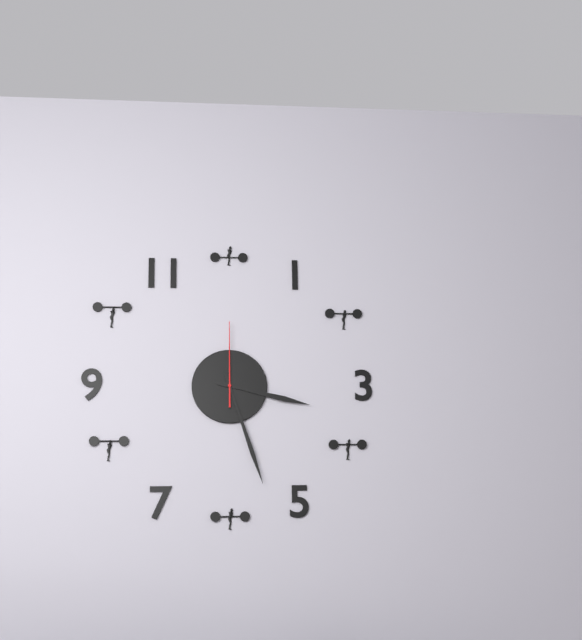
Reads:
3,27,00
